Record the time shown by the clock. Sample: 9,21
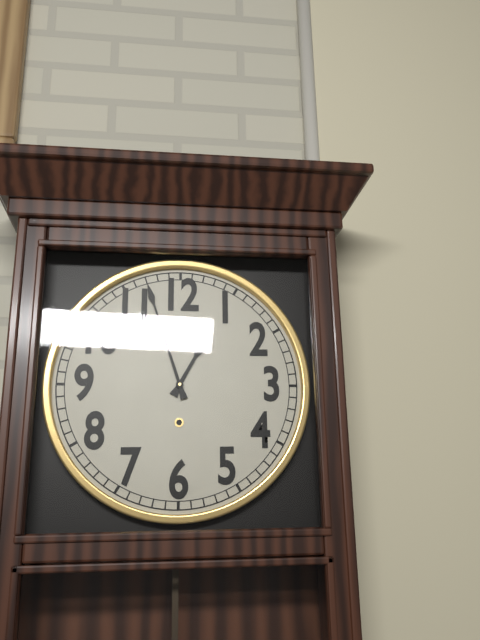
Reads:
12,57
